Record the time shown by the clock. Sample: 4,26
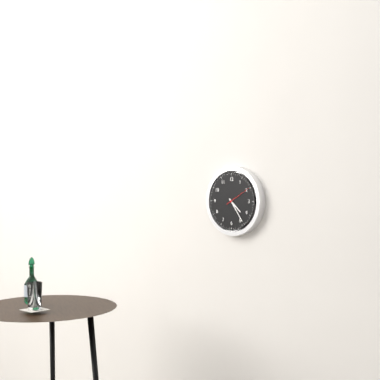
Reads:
4,24
